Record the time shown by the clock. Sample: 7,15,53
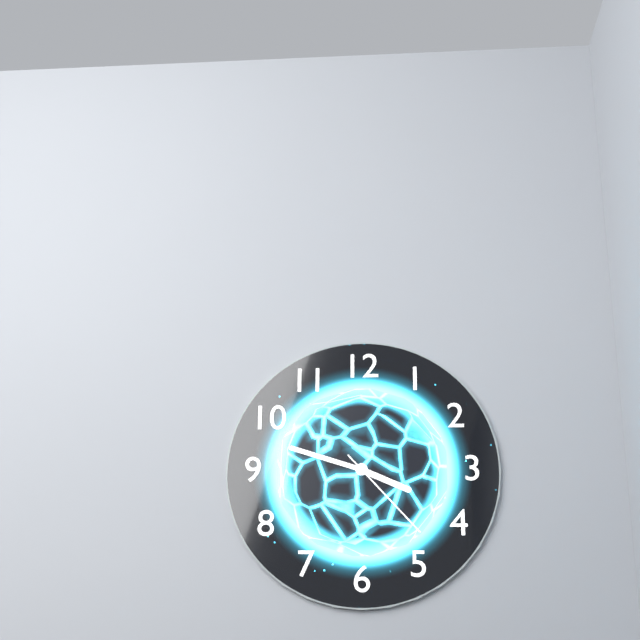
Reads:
3,48,23
